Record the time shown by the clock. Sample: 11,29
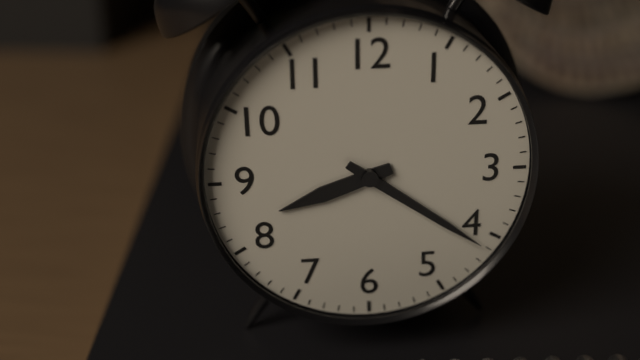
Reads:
8,21
